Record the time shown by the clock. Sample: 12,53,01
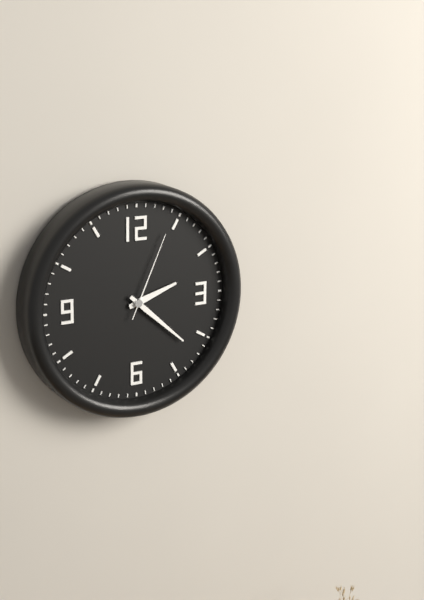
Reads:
2,22,04
